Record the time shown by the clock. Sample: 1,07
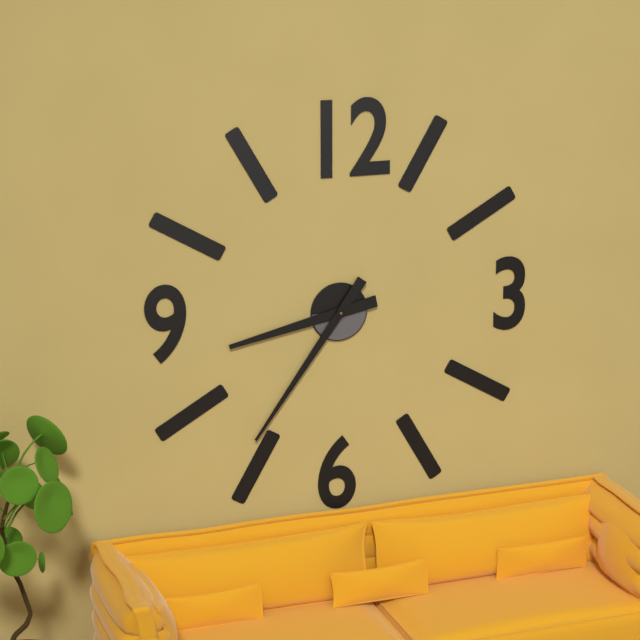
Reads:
8,36
